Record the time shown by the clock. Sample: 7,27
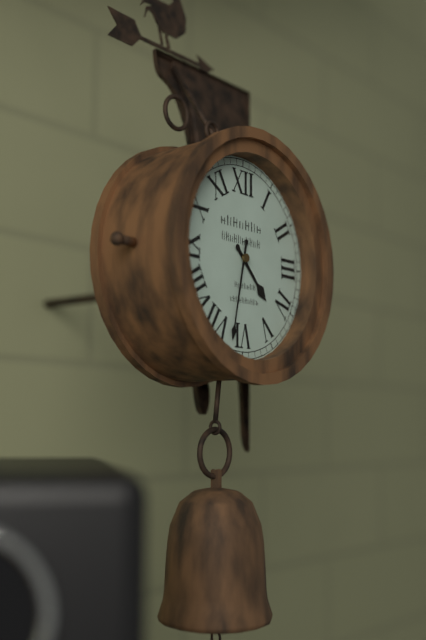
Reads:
4,32
